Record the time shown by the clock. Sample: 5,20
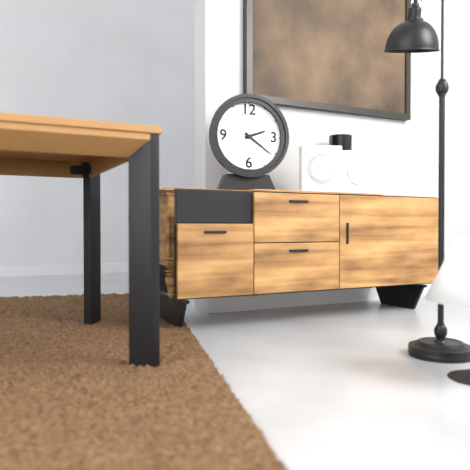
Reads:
2,21
